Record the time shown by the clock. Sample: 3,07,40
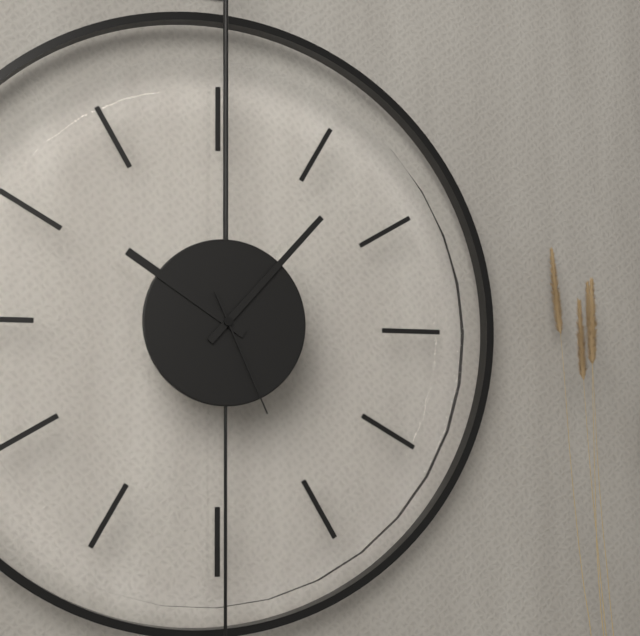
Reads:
10,07,26
